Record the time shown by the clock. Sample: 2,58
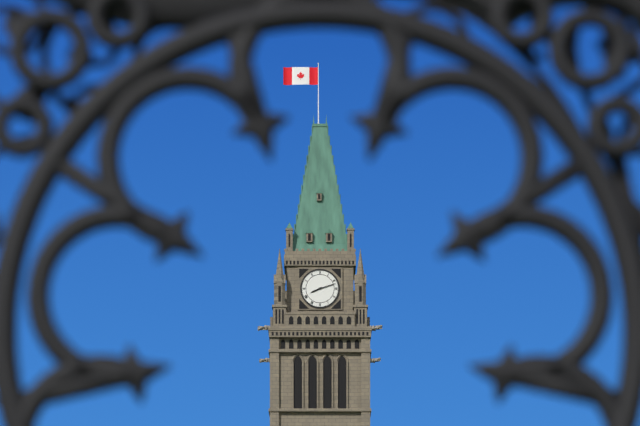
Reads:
8,12
